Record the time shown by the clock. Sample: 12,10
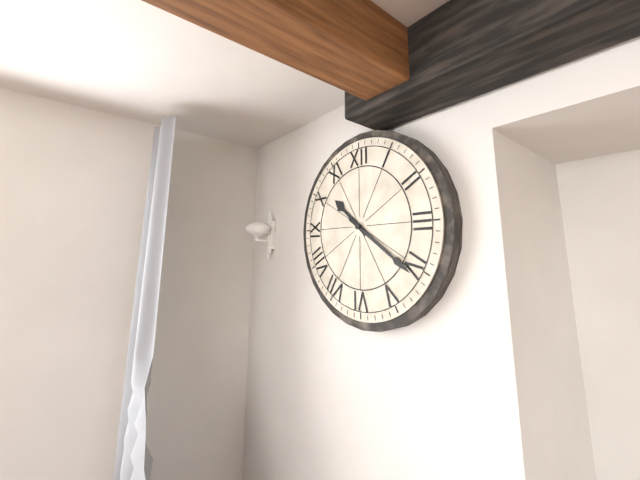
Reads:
10,21
